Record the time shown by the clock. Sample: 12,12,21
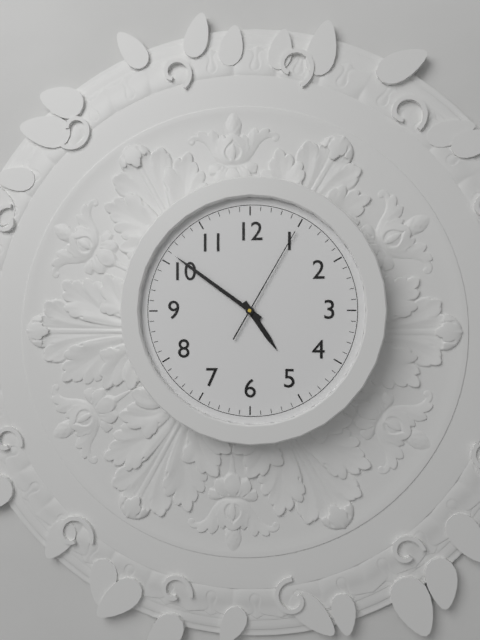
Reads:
4,51,05
